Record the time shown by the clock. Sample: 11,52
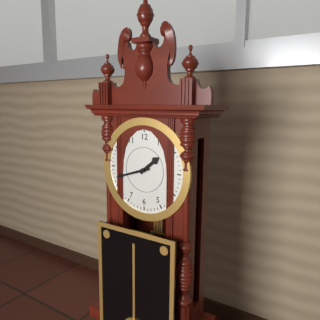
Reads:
1,42
